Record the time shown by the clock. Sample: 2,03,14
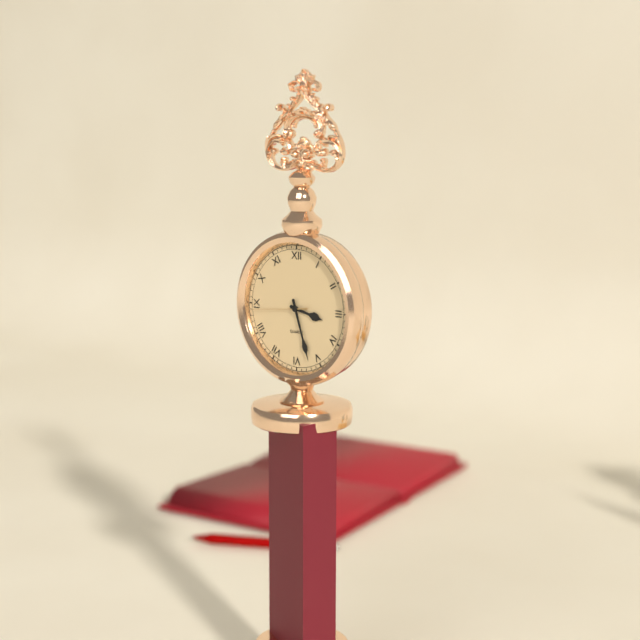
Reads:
3,27,44
